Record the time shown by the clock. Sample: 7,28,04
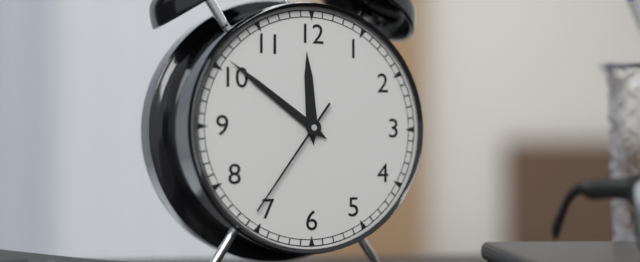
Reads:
11,51,36
